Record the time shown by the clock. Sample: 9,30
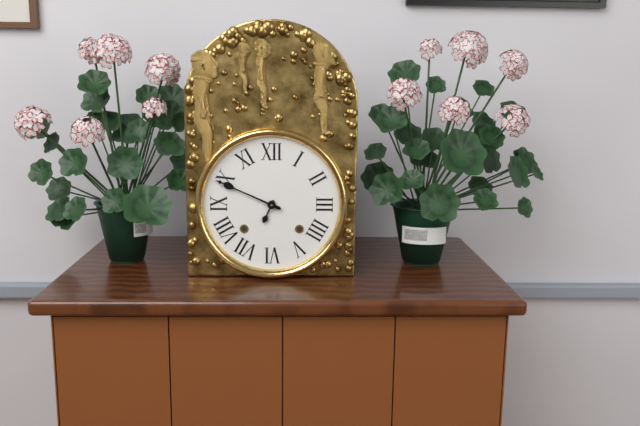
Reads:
6,49
